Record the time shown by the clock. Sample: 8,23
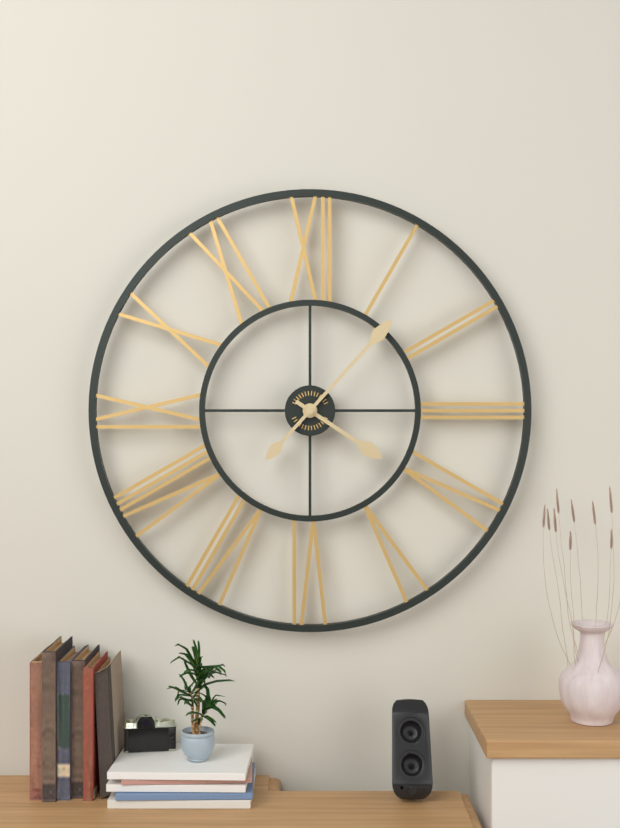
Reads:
4,07
